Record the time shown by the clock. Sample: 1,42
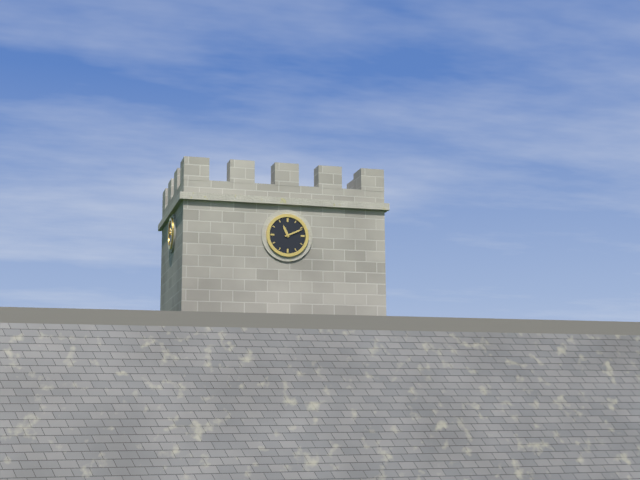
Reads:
11,11
